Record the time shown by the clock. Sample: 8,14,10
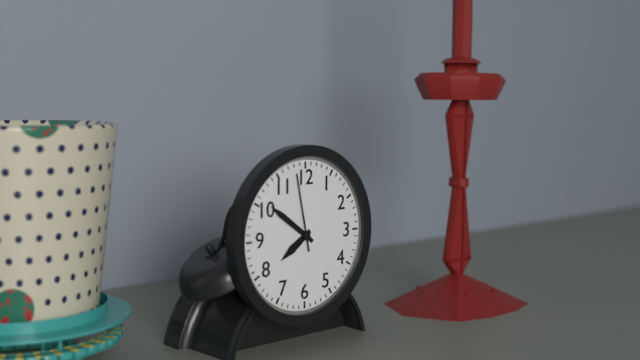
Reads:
7,51,58
